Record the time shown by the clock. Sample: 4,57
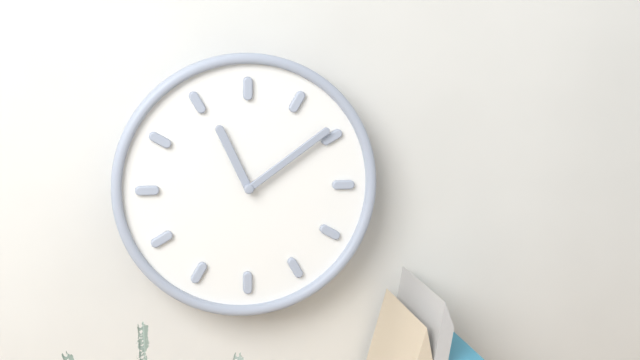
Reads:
11,09
